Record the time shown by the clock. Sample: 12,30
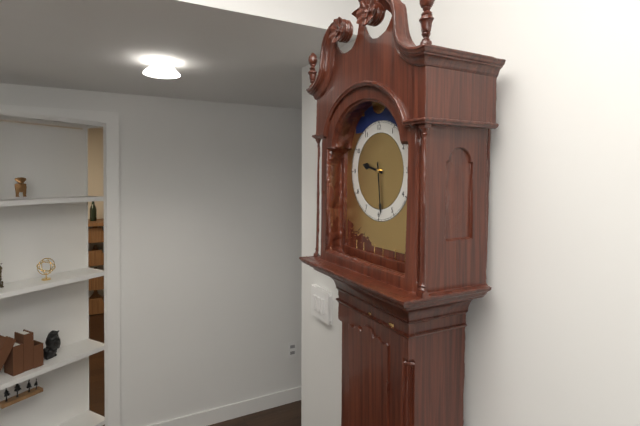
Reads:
9,29
